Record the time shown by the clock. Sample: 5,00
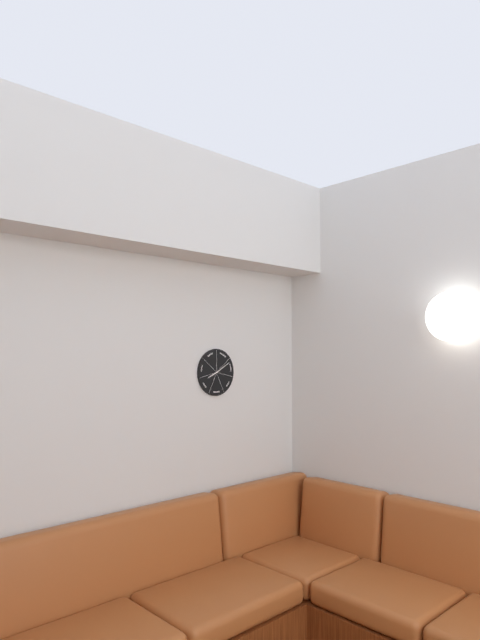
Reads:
8,10
